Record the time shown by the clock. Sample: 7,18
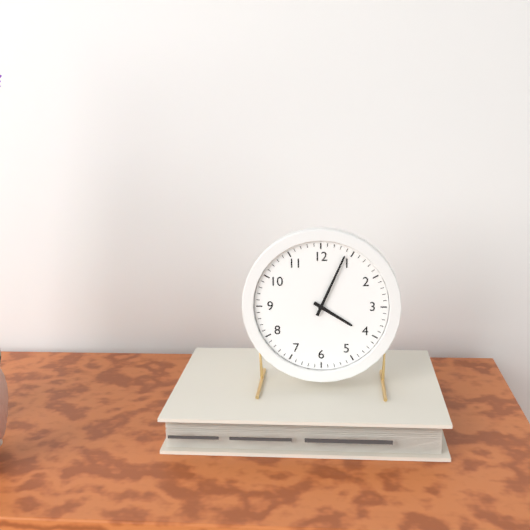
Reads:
4,04
